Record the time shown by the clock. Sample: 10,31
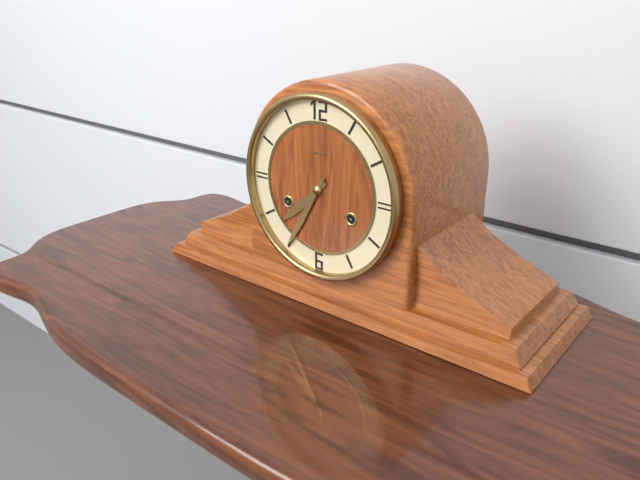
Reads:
7,35
